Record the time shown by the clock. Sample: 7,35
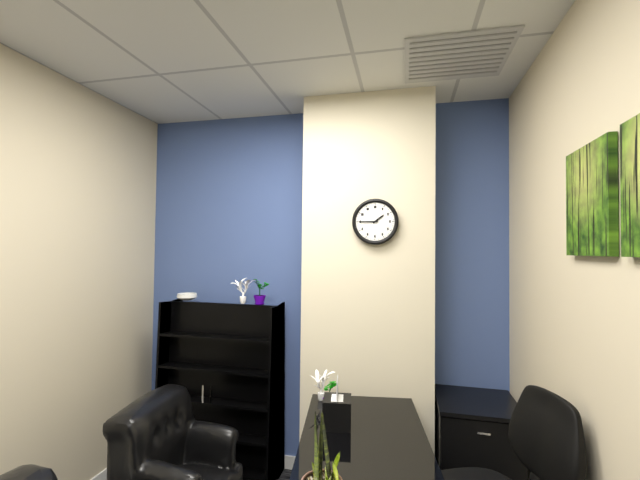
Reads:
1,45
